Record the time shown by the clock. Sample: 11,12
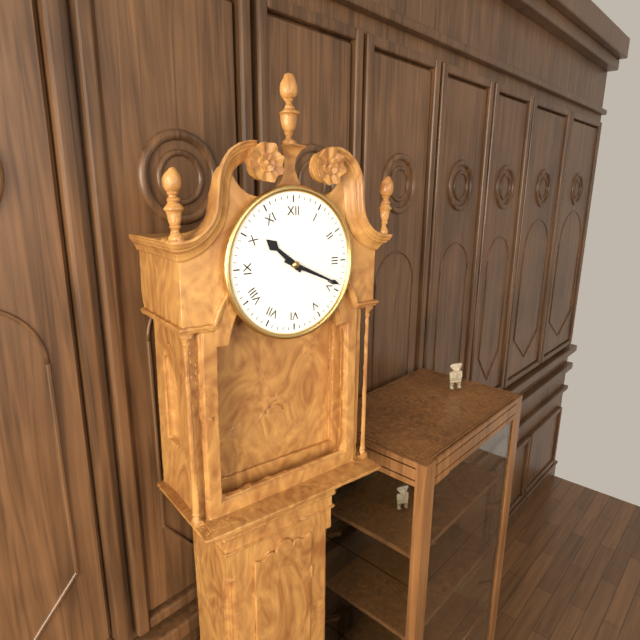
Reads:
10,19
